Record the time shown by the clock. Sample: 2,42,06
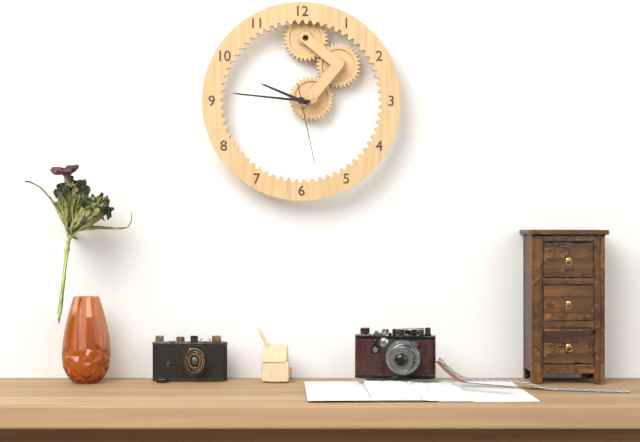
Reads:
9,46,28
